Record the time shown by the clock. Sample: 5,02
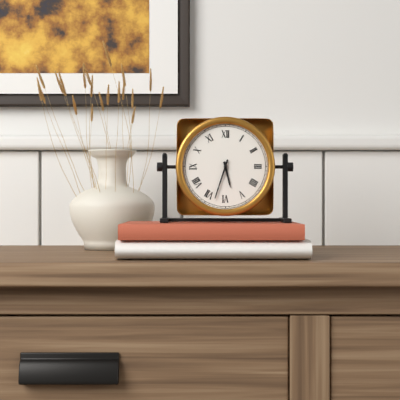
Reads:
5,33
